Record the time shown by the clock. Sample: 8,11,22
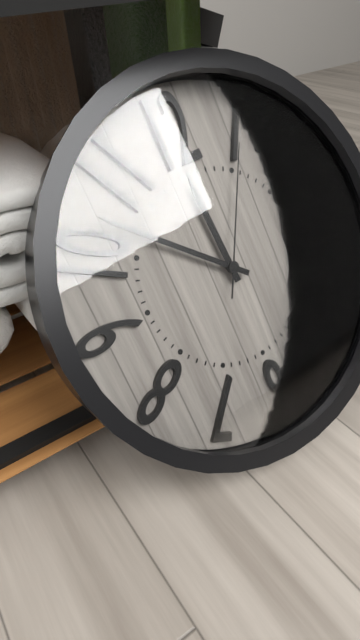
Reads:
11,52,05
